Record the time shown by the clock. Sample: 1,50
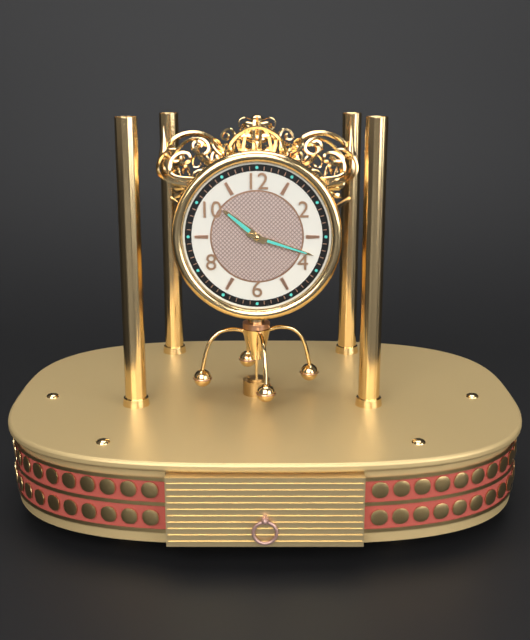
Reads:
10,18
